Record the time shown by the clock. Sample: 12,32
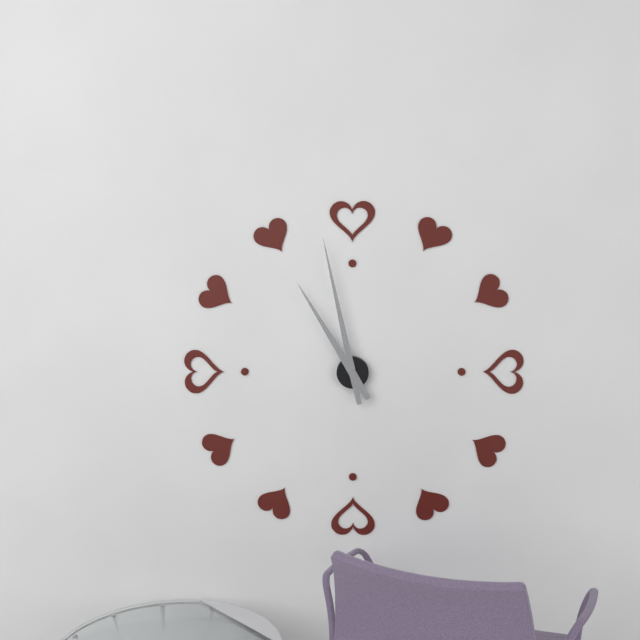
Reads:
10,58
